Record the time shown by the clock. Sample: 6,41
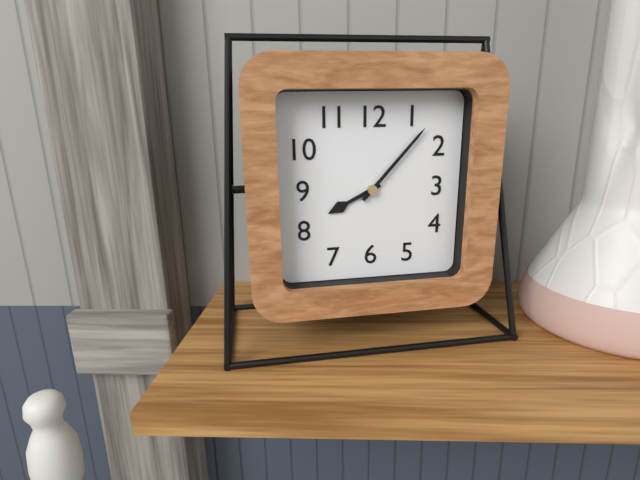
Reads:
8,07
